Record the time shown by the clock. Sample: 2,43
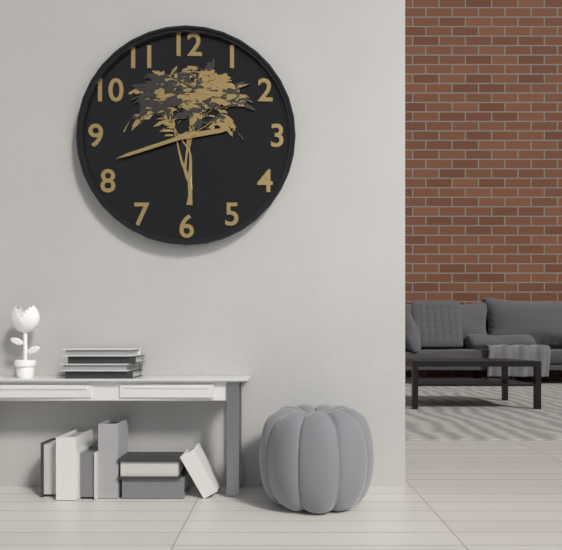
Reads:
2,42
